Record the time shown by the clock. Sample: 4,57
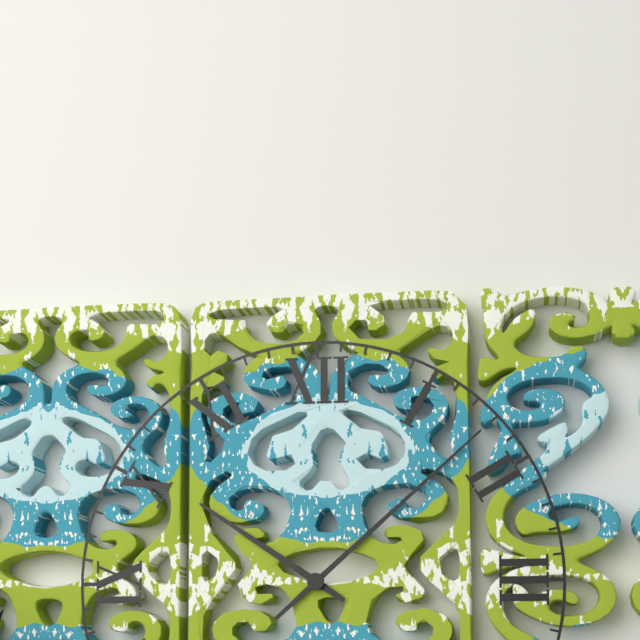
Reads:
10,08
